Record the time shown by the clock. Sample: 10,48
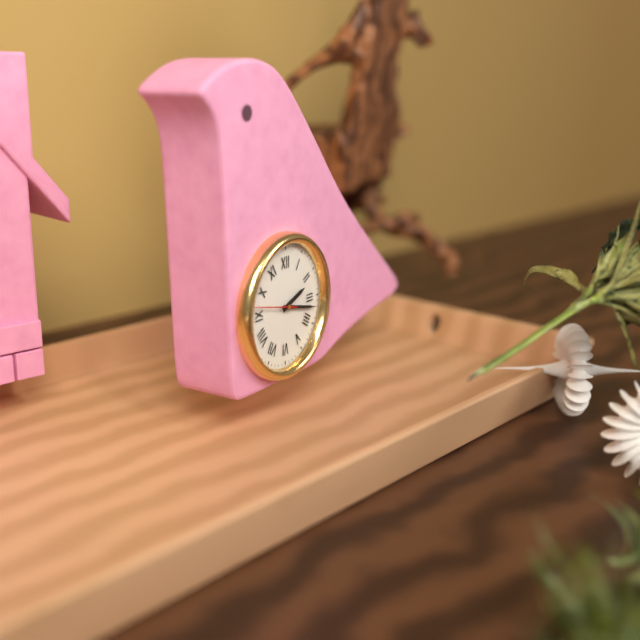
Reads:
2,17
